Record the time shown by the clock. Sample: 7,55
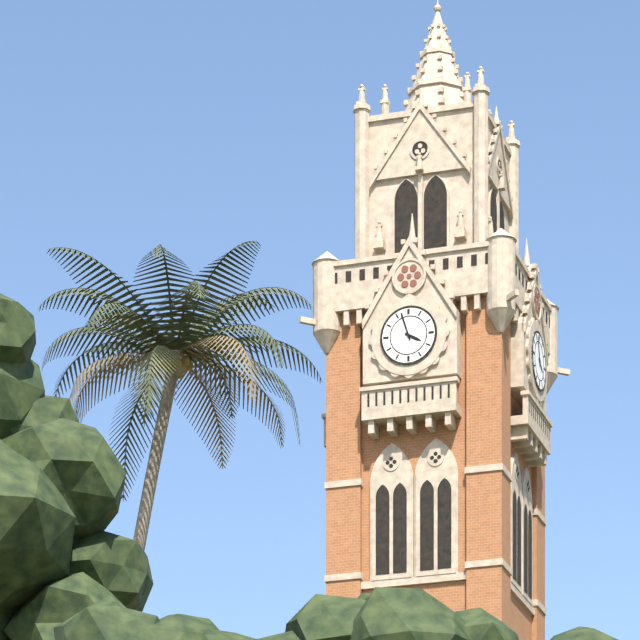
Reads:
3,57
